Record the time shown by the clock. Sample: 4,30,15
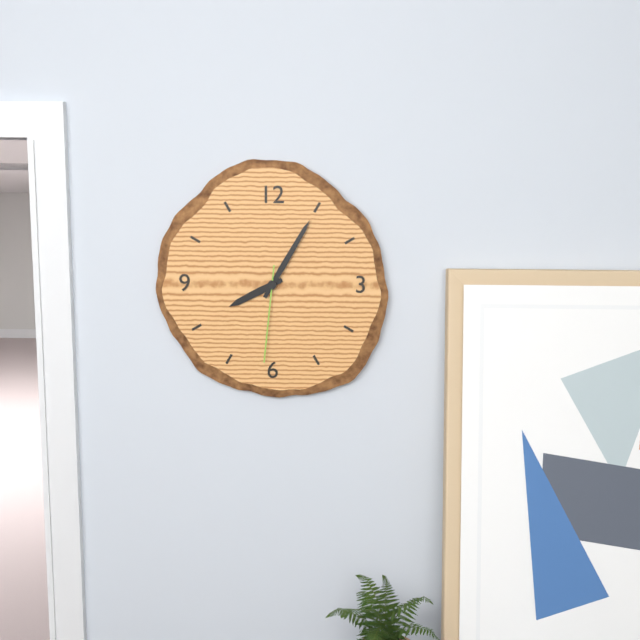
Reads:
8,05,31
